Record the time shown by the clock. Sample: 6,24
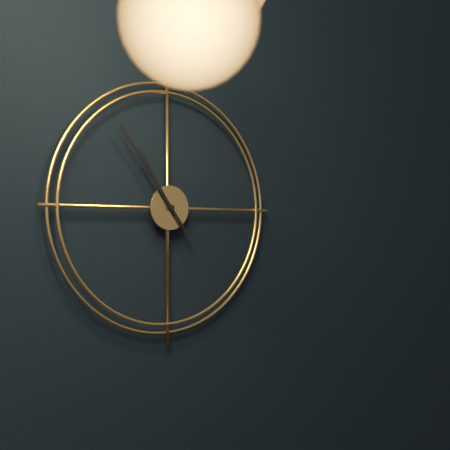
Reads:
10,54
